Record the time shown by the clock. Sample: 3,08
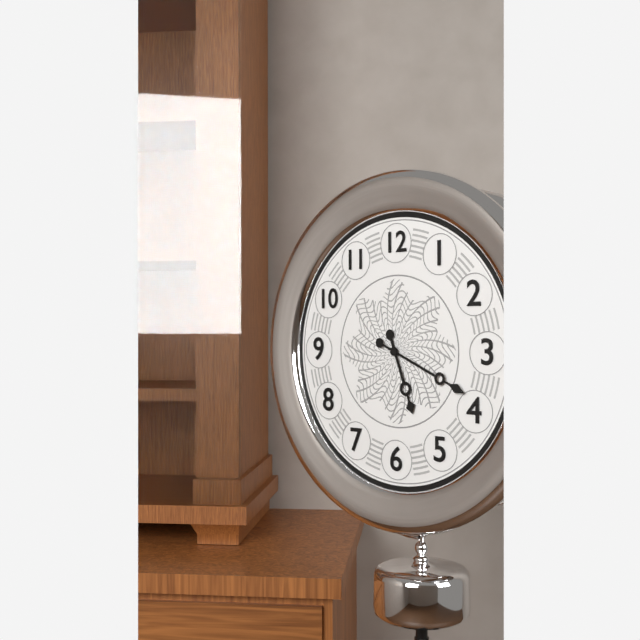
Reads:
5,19
